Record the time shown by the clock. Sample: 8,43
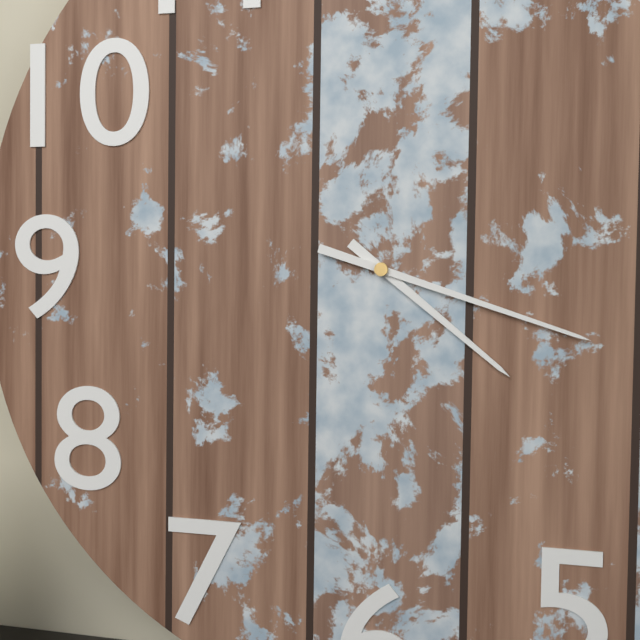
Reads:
4,18
